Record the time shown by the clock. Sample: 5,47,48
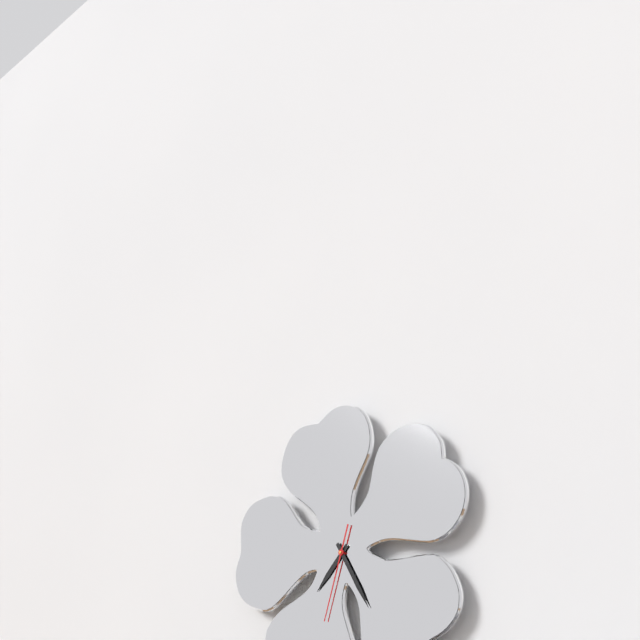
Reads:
7,25,33
